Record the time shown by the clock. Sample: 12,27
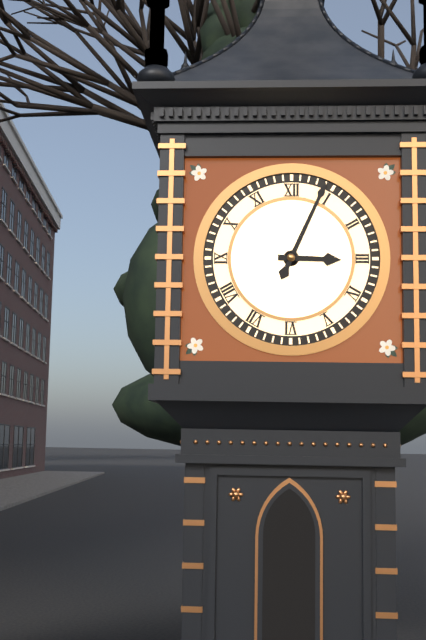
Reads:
3,04
